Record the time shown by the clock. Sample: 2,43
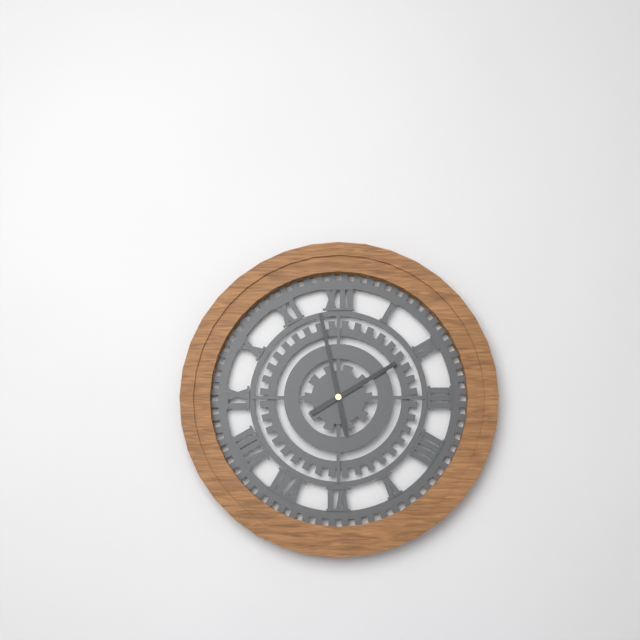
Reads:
1,58
